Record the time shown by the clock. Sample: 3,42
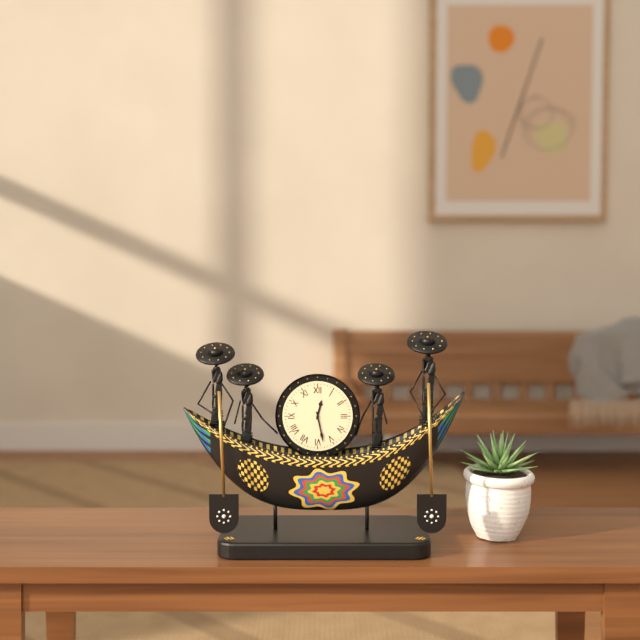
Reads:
12,28
